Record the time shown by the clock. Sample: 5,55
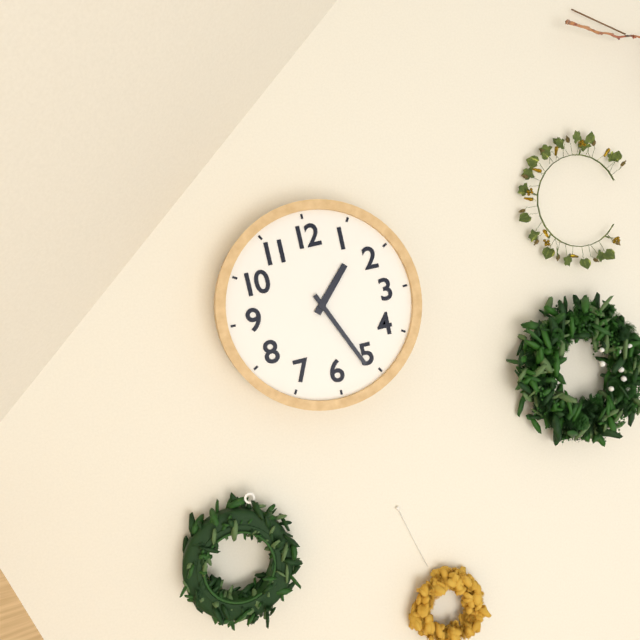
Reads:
1,26
